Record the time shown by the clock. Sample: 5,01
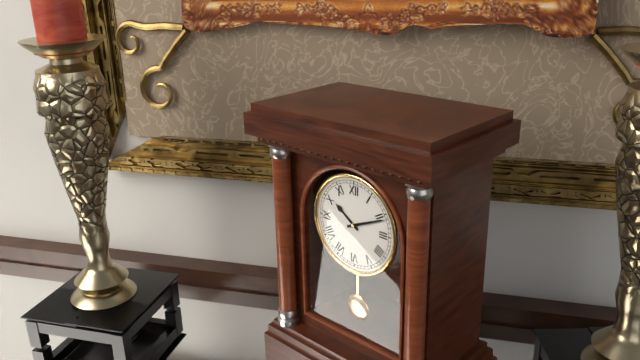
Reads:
10,11
